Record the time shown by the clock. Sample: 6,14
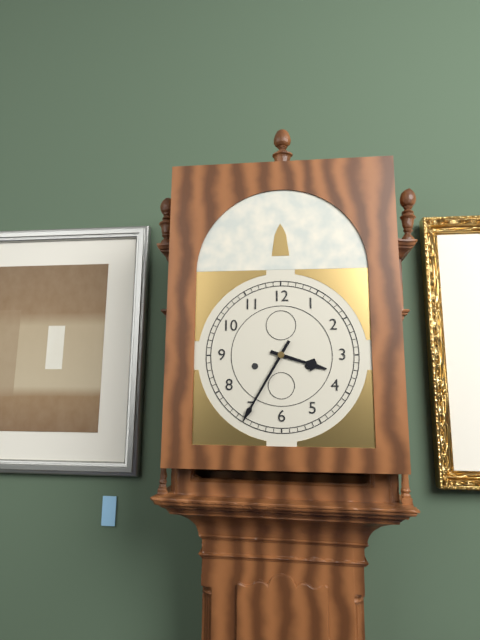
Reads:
3,35
